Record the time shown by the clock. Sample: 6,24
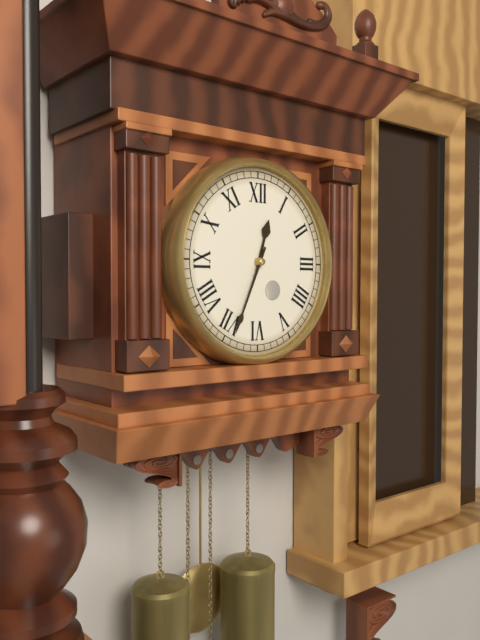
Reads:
12,34
